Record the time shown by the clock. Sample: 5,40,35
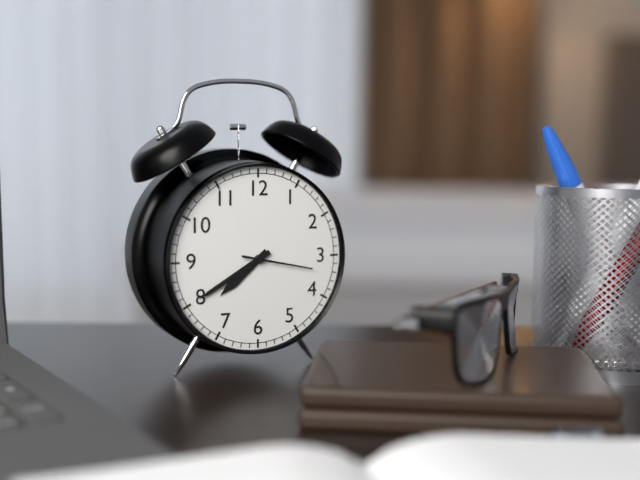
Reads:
7,40,17
